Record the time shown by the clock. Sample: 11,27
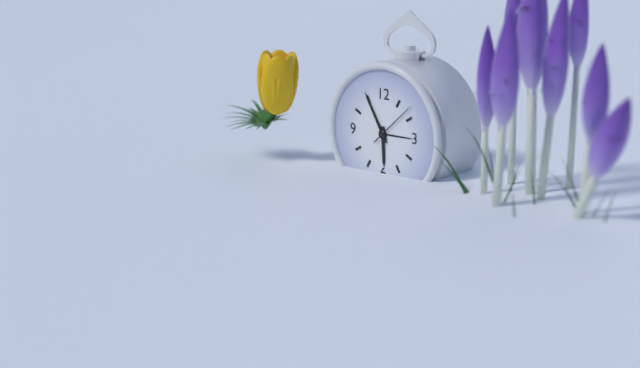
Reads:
5,55
